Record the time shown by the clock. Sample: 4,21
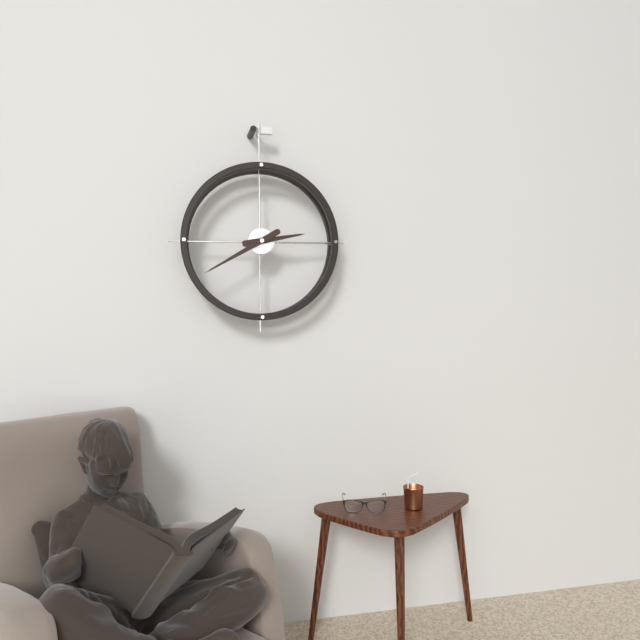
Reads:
2,40
